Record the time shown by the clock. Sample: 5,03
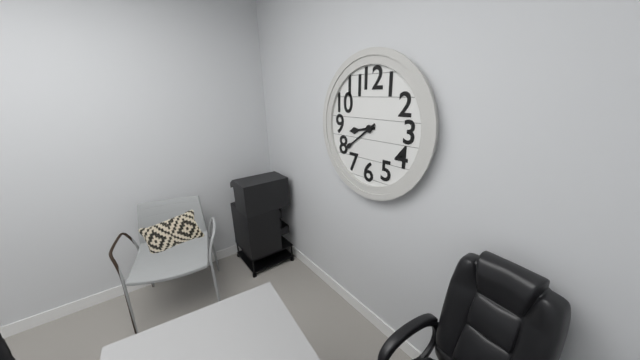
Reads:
8,39
